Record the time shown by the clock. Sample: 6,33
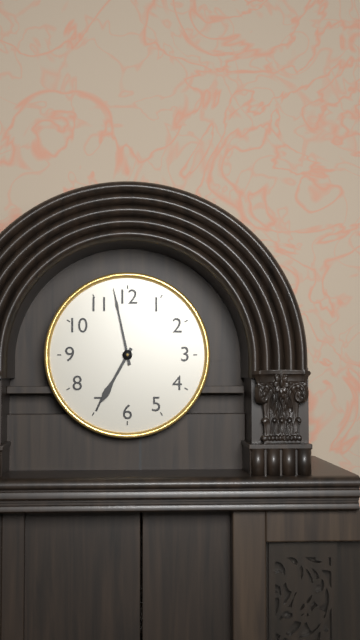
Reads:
6,58
